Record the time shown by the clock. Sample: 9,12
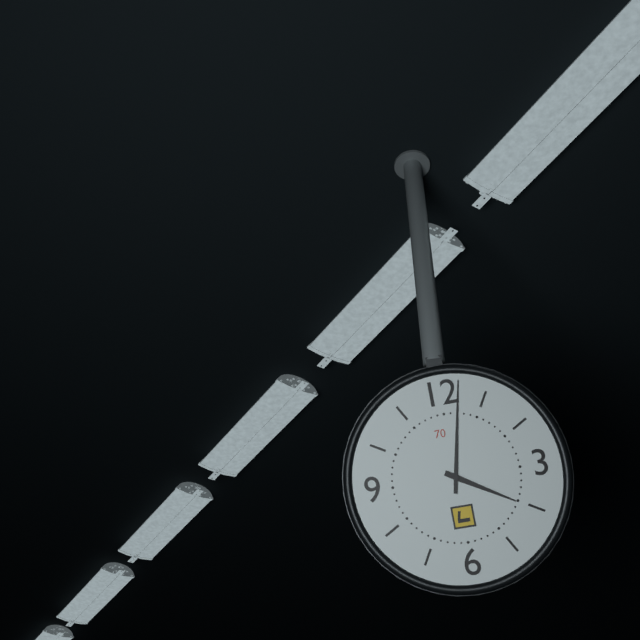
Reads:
4,02
